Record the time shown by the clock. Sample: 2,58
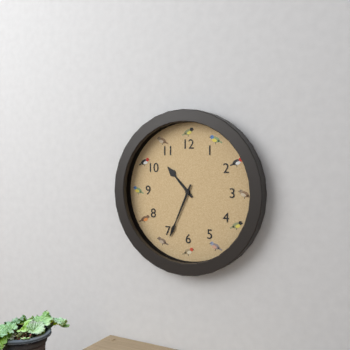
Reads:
10,34
